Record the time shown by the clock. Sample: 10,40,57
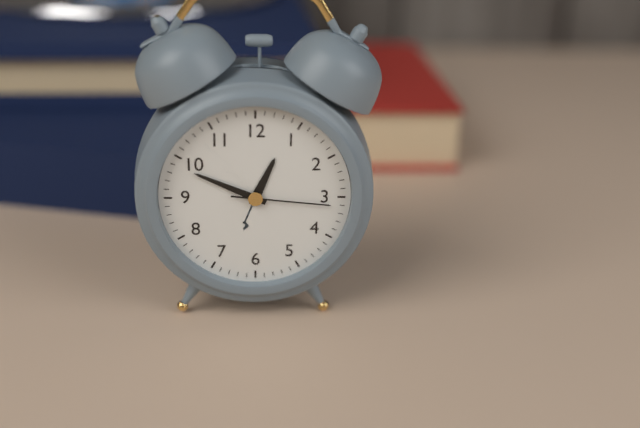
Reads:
12,49,16
